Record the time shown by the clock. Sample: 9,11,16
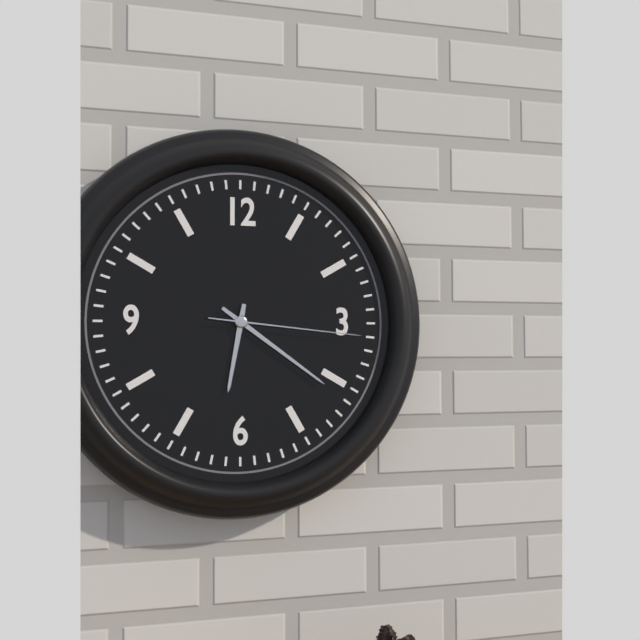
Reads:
6,21,16
